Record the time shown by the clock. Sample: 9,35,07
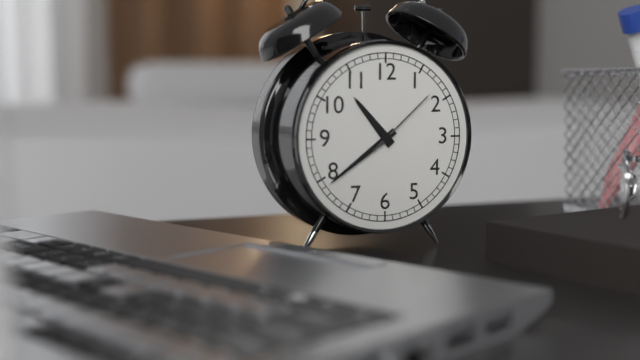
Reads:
10,39,08
